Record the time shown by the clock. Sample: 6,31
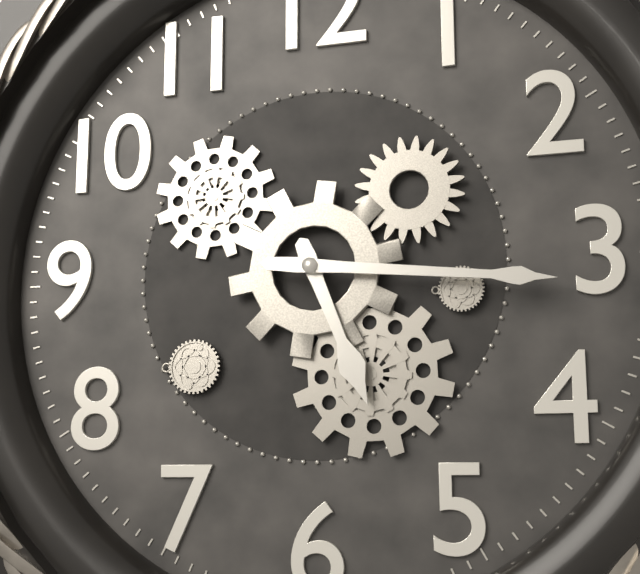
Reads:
5,16
